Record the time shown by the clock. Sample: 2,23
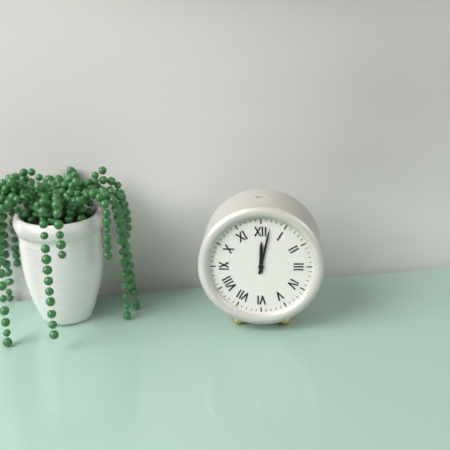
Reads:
12,02
